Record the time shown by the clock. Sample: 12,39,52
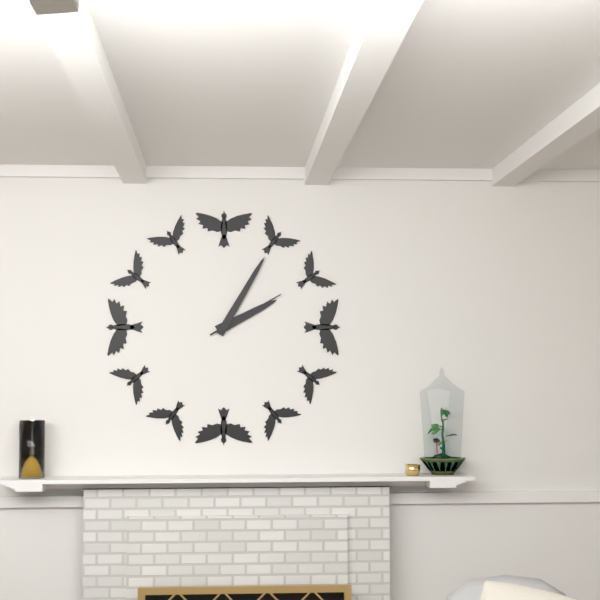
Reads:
2,05,10
